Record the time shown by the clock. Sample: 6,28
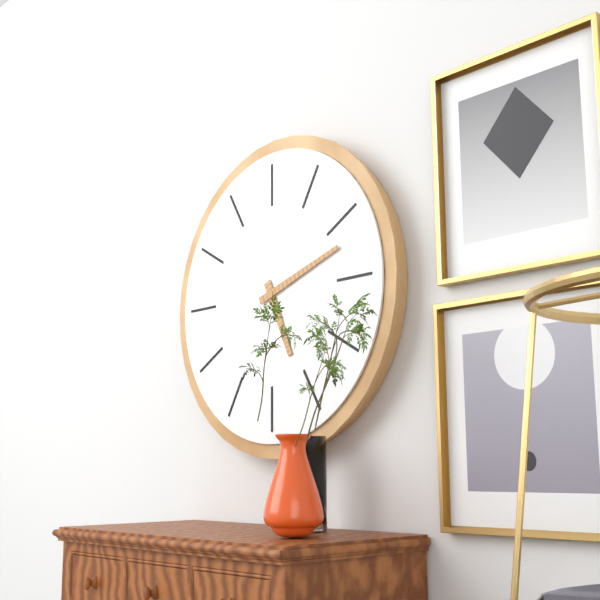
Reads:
5,12
